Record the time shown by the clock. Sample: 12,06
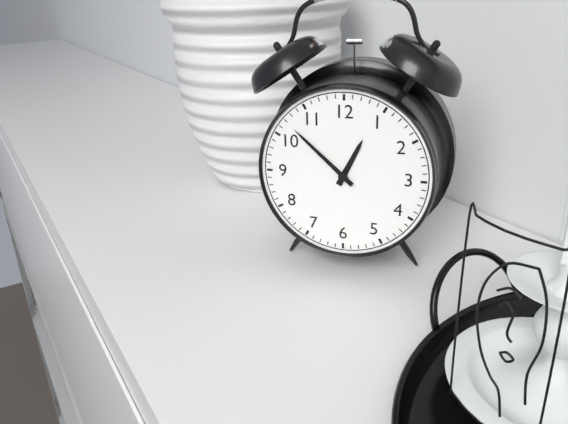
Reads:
12,52
